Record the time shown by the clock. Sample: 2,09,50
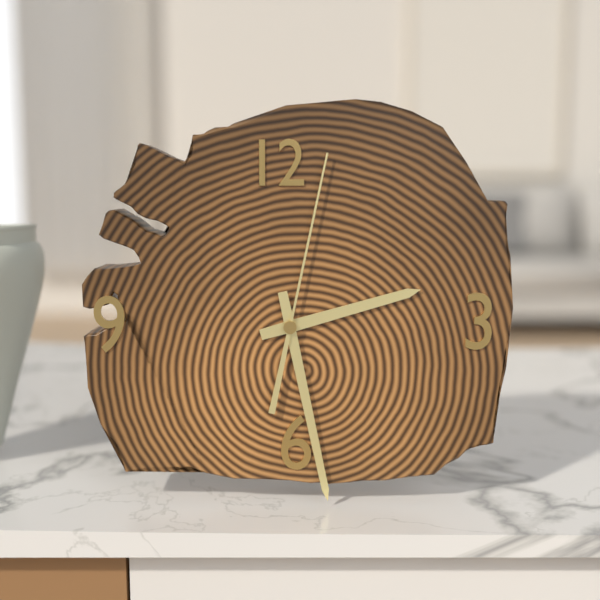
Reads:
2,28,02
